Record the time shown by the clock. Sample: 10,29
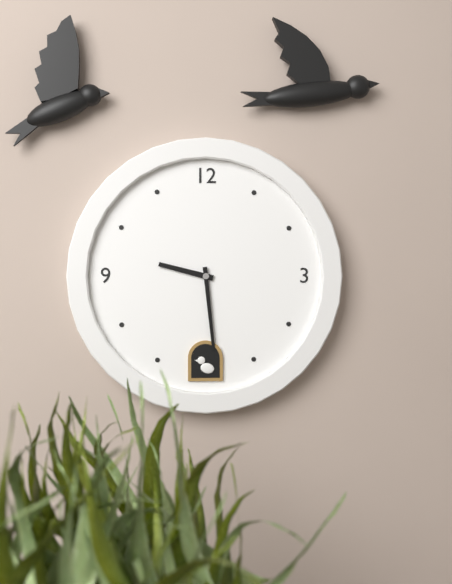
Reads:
9,29
